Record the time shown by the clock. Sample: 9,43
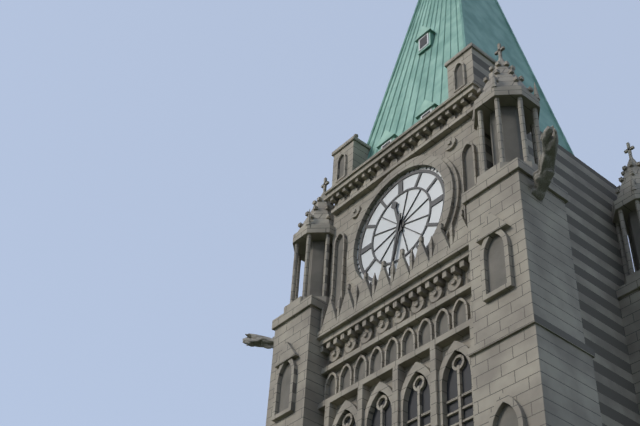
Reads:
11,32
